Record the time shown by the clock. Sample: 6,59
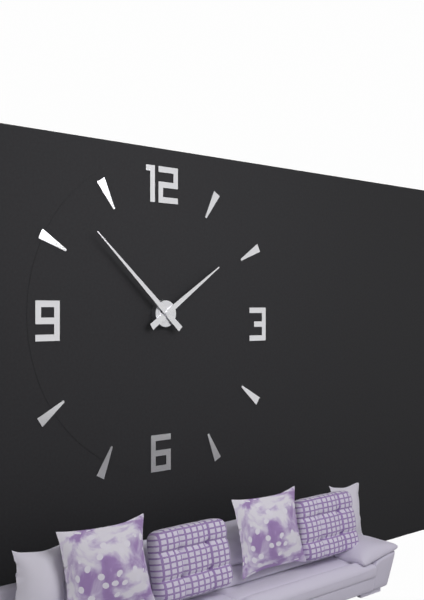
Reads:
1,52
